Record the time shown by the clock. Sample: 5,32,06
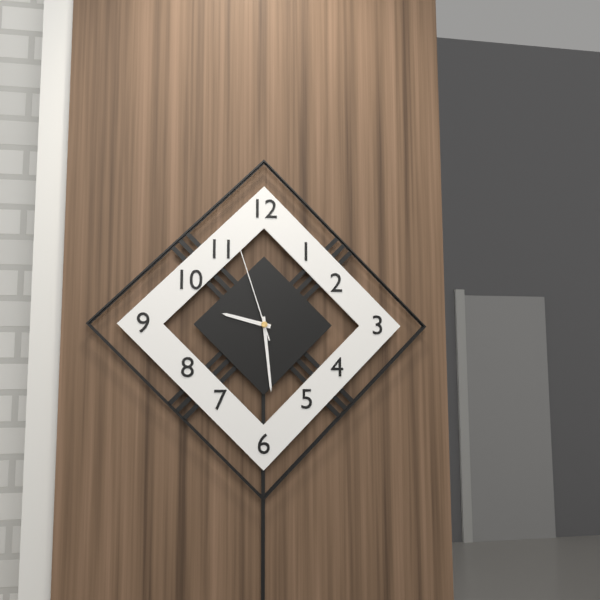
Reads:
9,29,57
